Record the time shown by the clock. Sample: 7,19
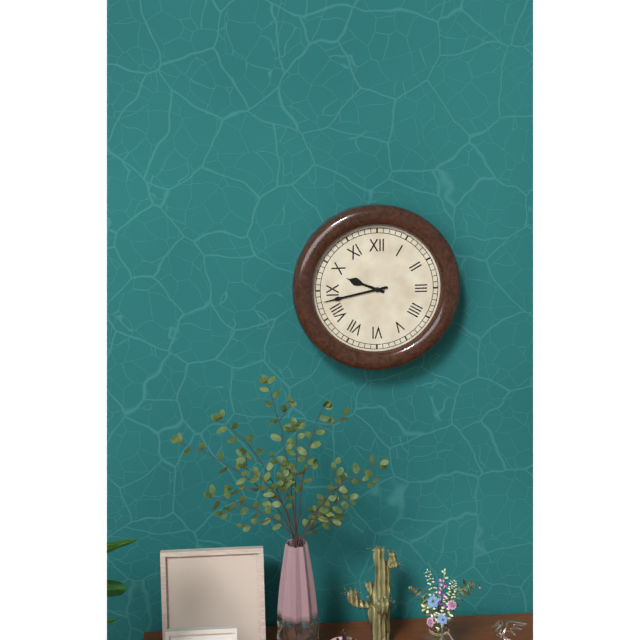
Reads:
9,43
